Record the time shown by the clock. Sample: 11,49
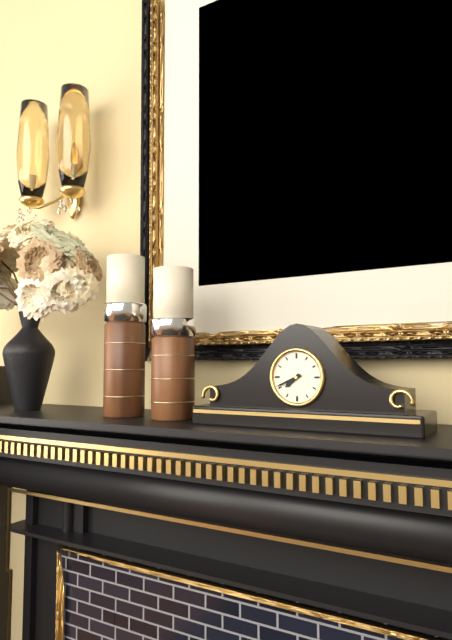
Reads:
7,41
